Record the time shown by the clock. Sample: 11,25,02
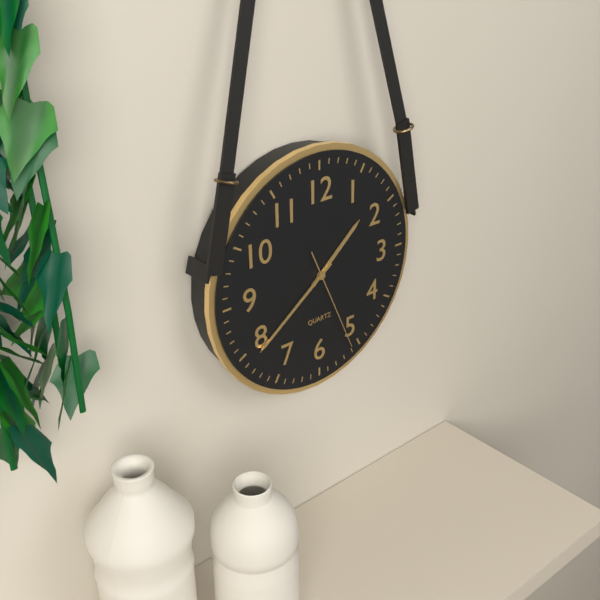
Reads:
1,39,26
